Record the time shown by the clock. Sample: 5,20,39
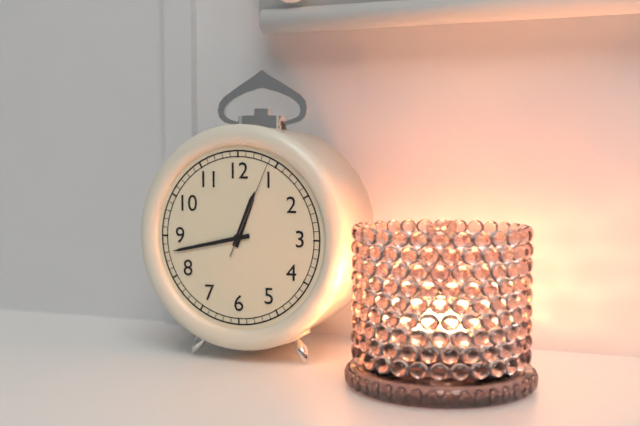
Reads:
12,43,04
